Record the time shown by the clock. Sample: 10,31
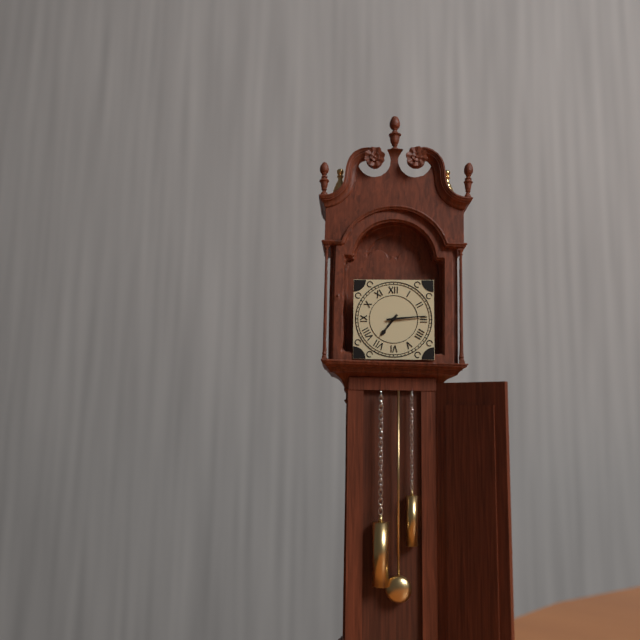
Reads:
7,14
